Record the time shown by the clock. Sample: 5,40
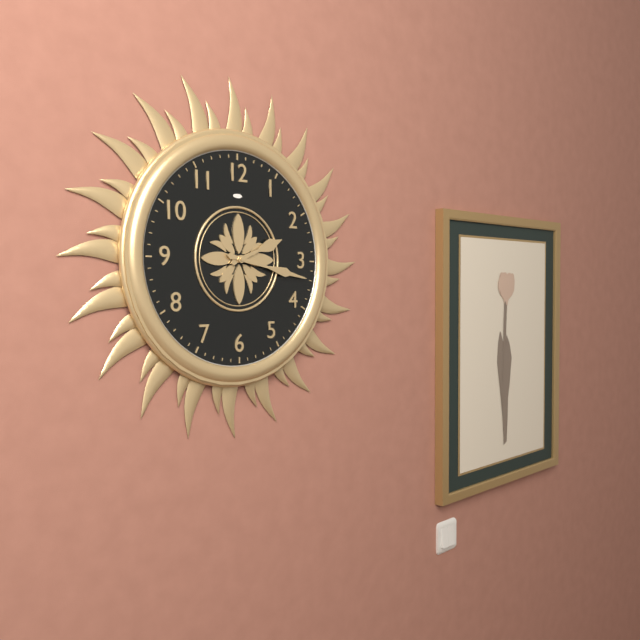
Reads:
2,17
